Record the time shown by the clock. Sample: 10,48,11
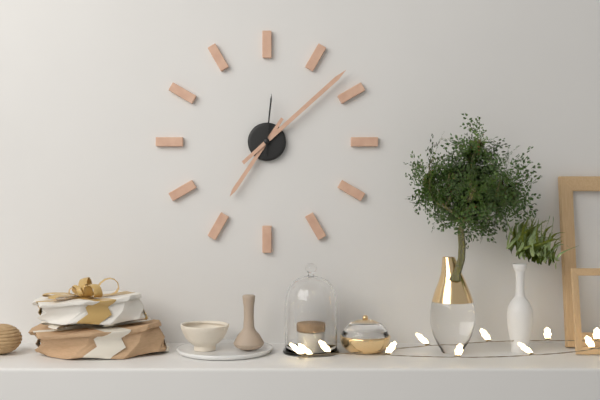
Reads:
7,08,01
